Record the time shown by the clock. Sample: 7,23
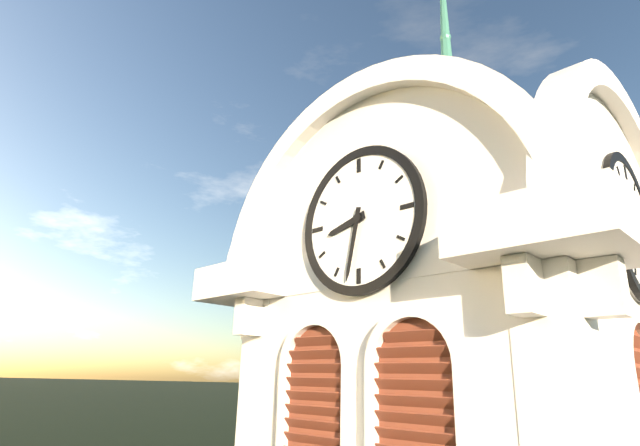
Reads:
8,32
